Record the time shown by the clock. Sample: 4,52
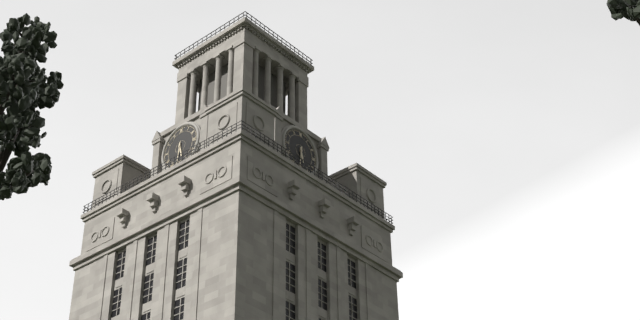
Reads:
5,31
